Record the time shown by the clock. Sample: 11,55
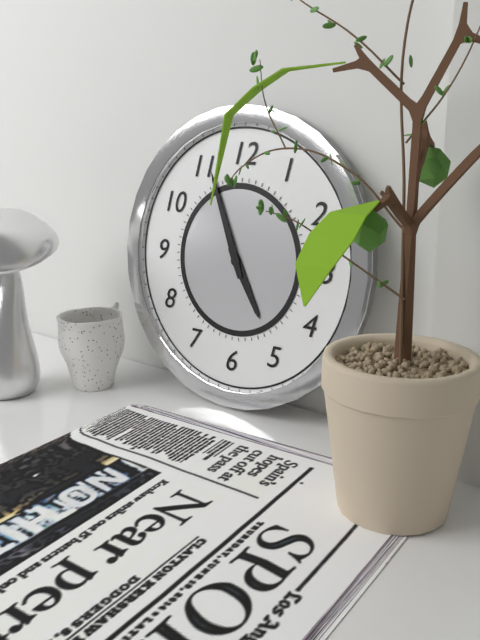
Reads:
4,56
